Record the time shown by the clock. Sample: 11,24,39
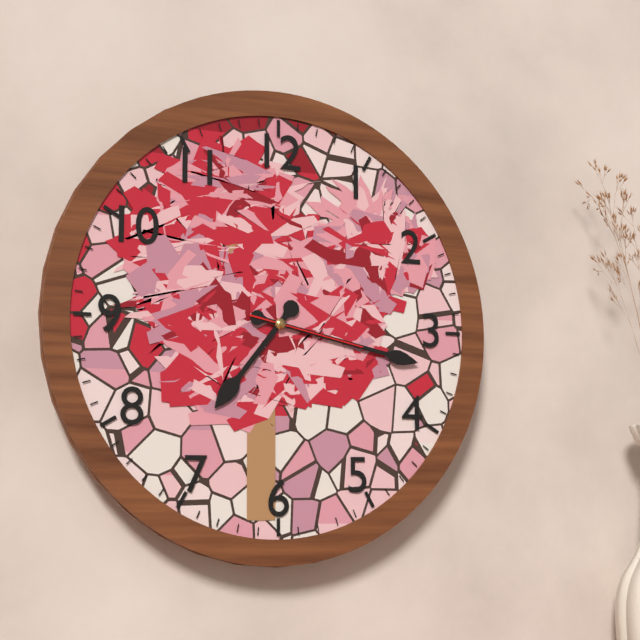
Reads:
7,17,17
